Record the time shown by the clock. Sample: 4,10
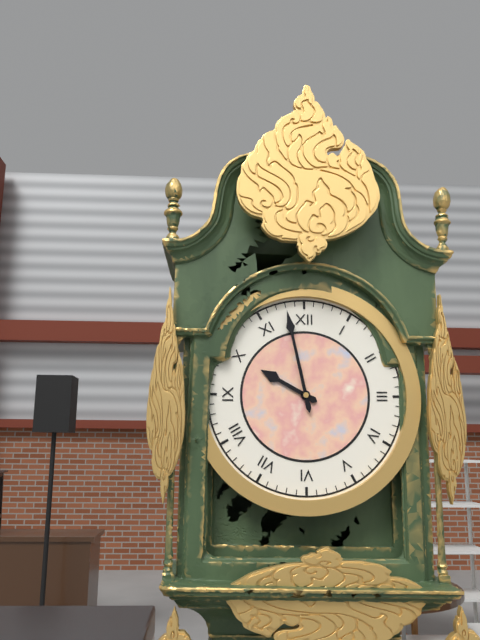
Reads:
9,58
